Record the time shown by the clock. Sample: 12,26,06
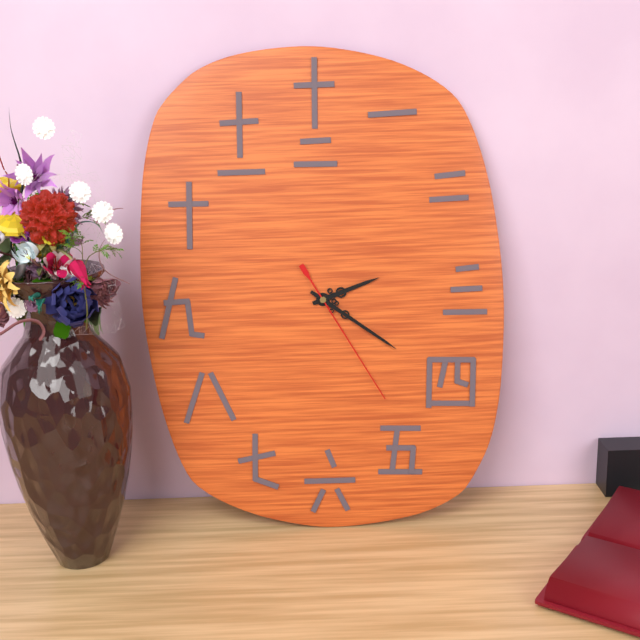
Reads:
2,21,25
